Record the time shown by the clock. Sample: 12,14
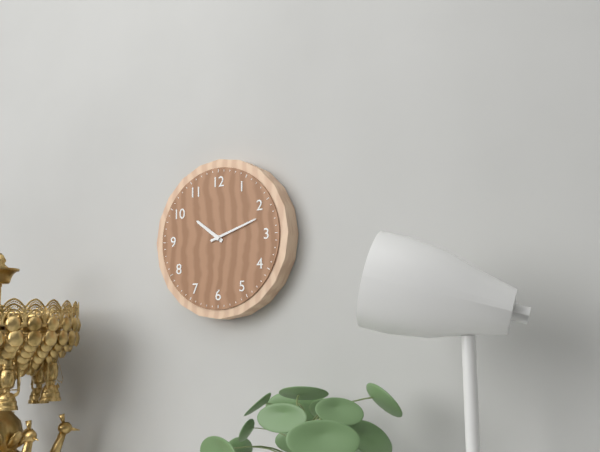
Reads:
10,12
